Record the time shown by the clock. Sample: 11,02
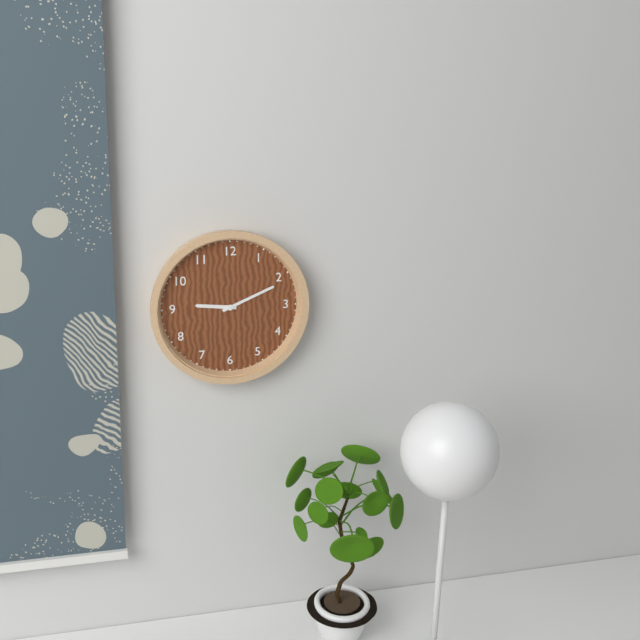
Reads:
9,11
